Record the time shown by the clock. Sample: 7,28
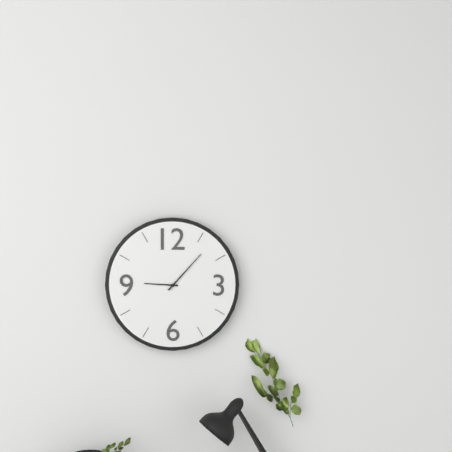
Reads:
9,07
